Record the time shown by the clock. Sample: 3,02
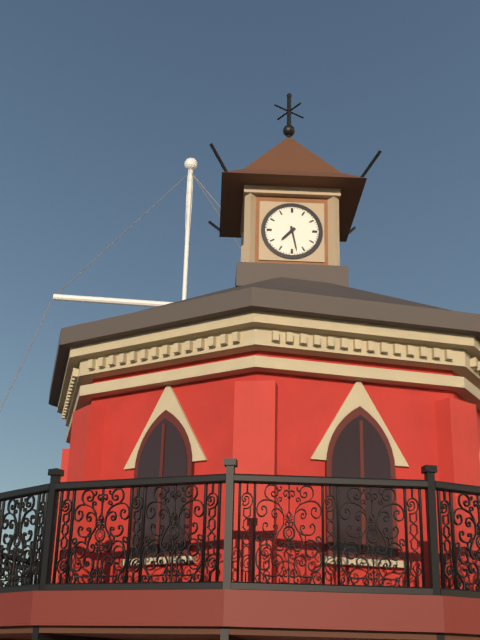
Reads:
7,28
